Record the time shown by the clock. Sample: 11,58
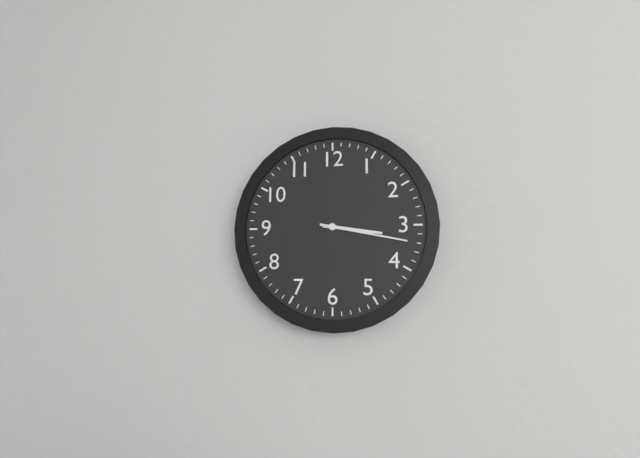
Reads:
3,17
